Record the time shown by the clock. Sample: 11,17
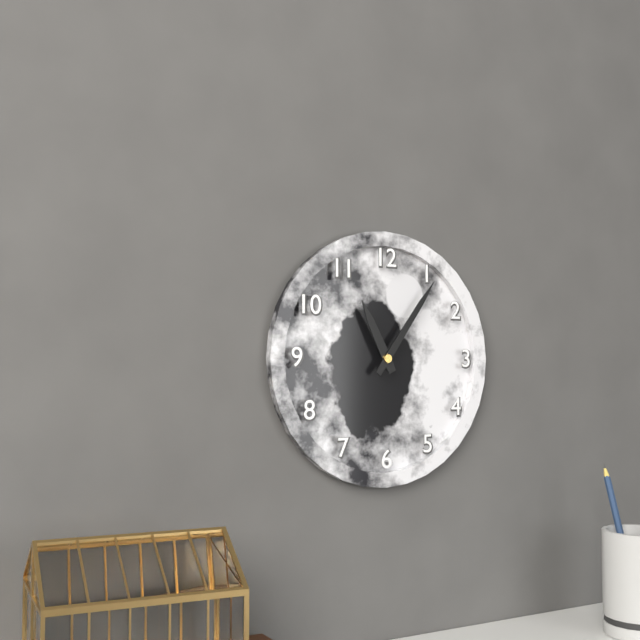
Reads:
11,06
